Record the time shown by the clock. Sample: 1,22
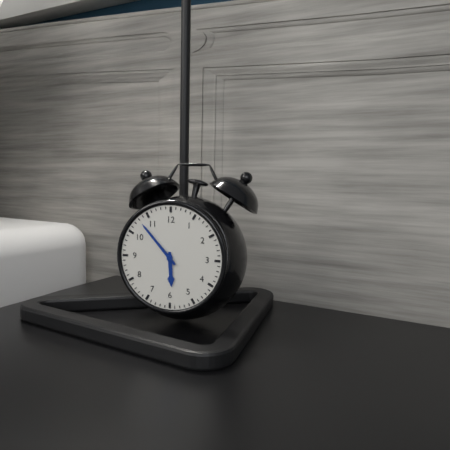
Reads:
5,53
